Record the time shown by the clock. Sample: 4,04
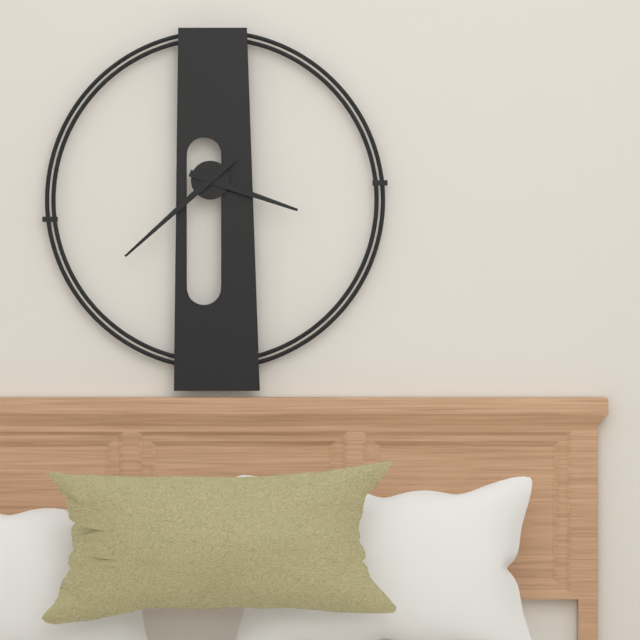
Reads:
3,38
